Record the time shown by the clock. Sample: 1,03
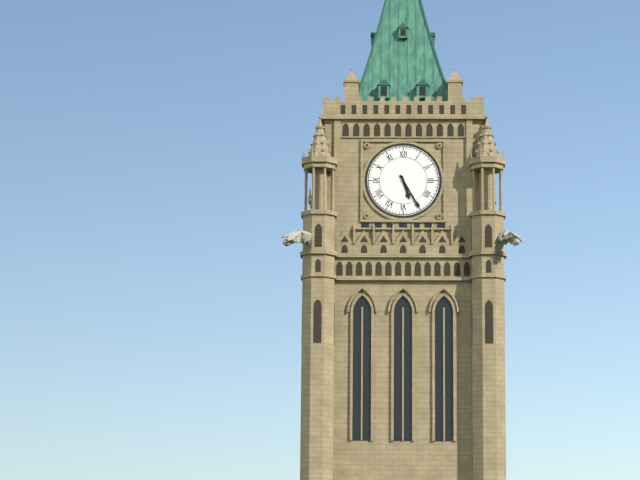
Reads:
5,25
